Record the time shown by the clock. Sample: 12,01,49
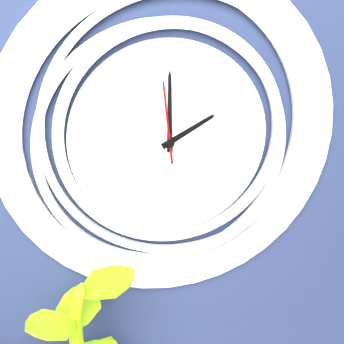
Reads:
2,00,59
